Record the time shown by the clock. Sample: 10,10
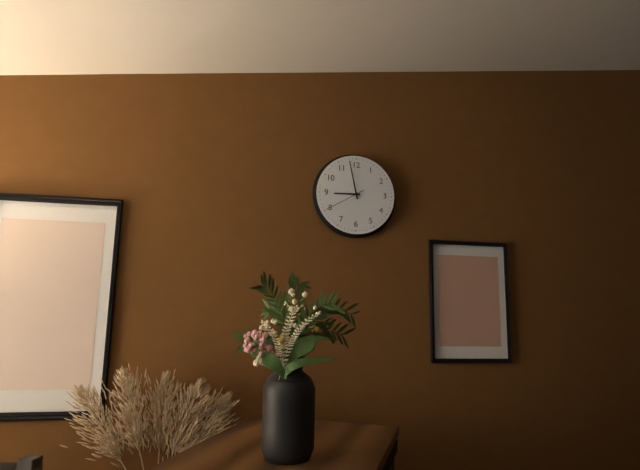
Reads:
8,58
